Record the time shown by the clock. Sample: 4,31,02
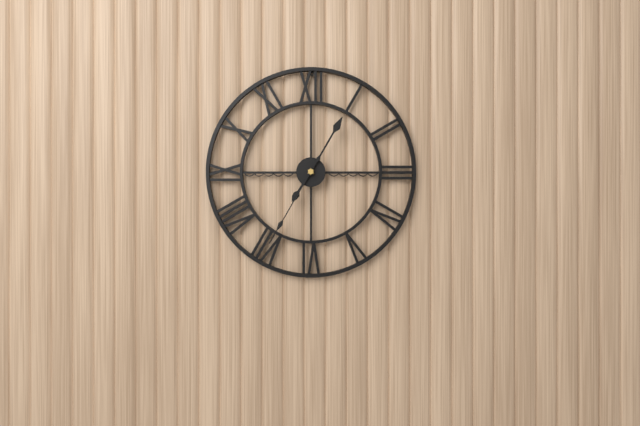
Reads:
7,05,35
